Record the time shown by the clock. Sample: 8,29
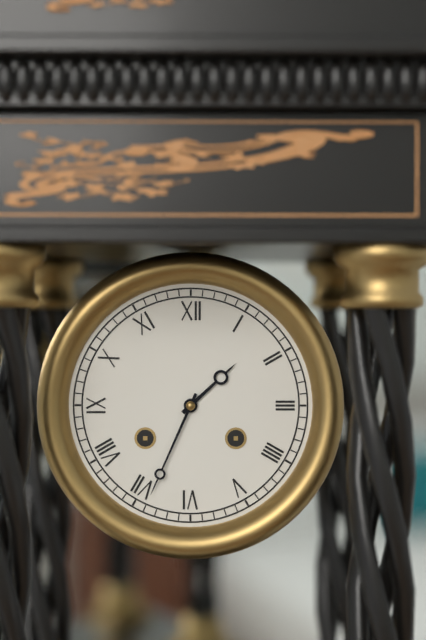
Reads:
1,34
